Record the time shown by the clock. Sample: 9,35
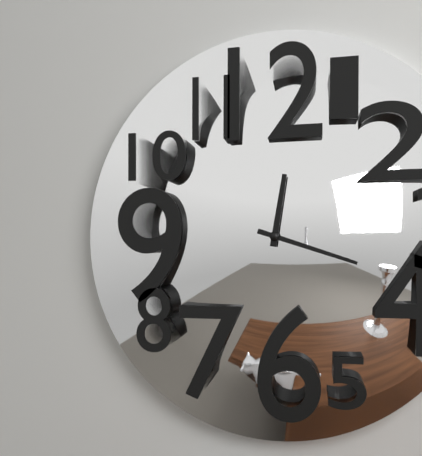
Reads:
12,18
